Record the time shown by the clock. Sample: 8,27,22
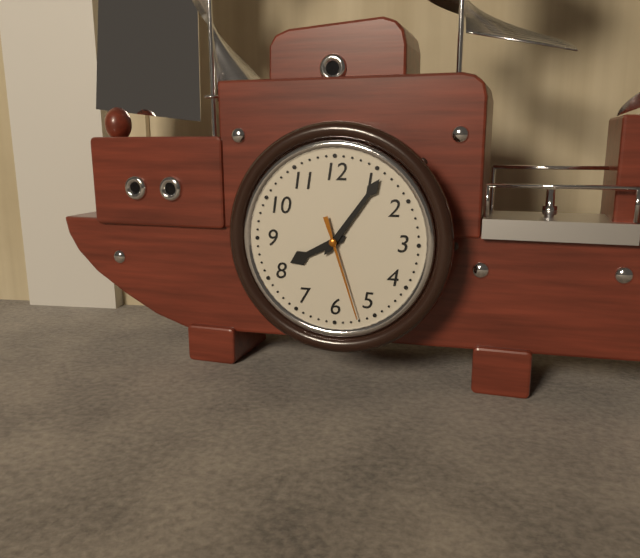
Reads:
8,06,27
